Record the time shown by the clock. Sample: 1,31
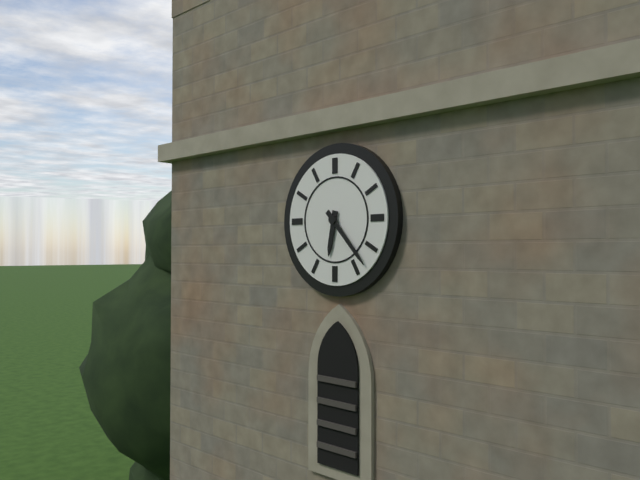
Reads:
6,23
